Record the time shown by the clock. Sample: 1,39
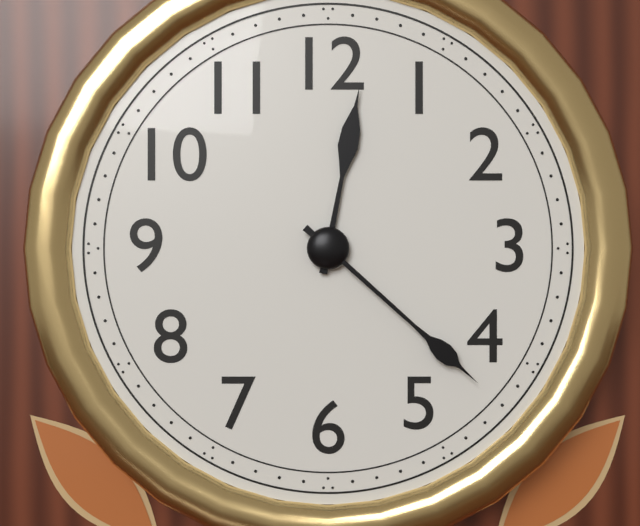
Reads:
12,22
